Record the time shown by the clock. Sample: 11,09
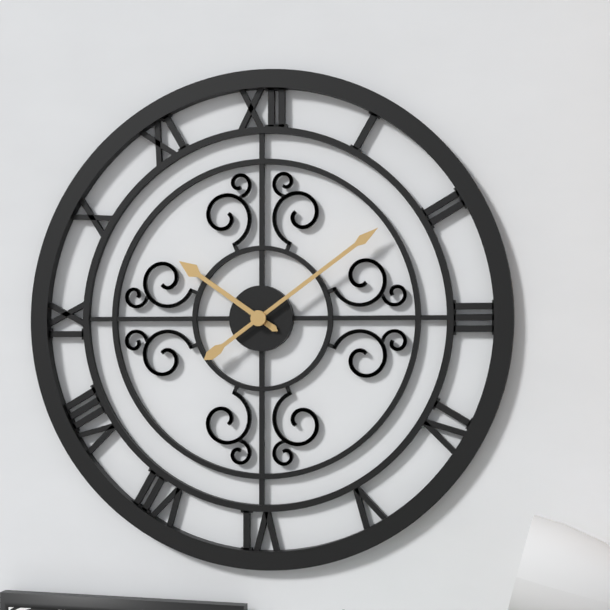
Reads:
10,09
